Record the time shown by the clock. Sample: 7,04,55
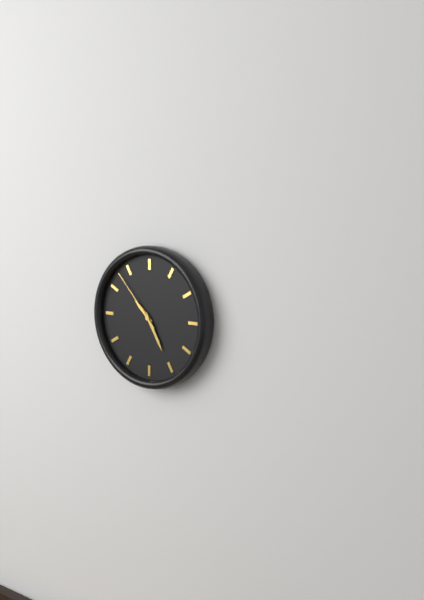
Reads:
10,25,53
